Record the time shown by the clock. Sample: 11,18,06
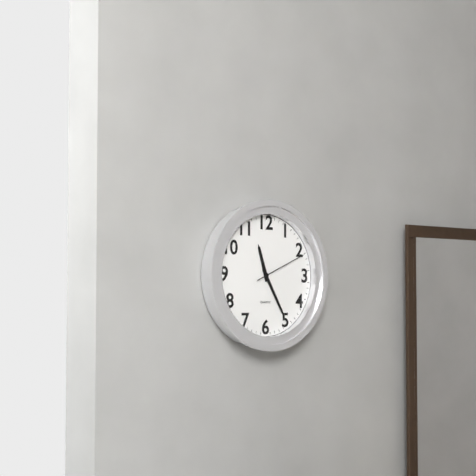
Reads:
11,25,11
